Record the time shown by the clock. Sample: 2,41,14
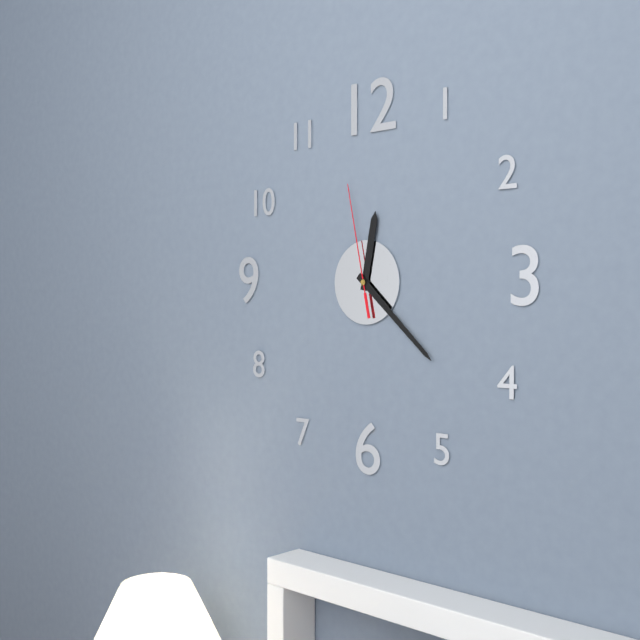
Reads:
12,22,58
